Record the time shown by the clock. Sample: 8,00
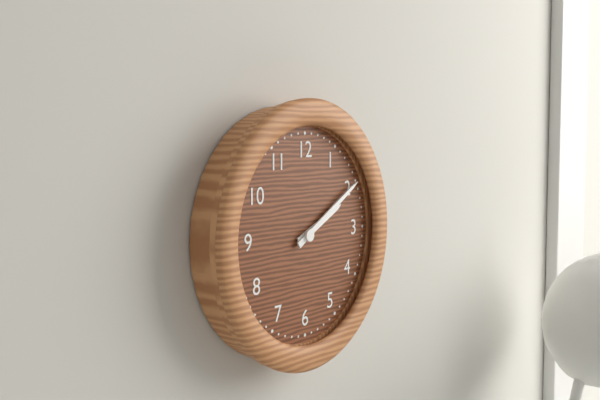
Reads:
2,10
